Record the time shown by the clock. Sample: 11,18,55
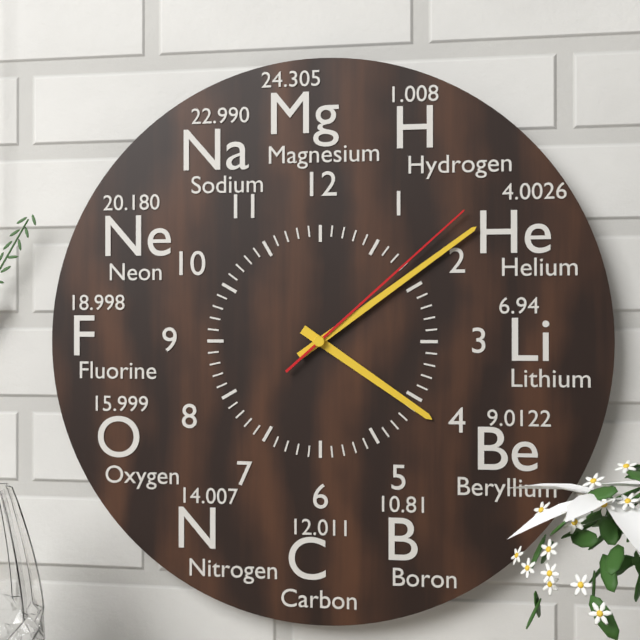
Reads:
4,09,08
